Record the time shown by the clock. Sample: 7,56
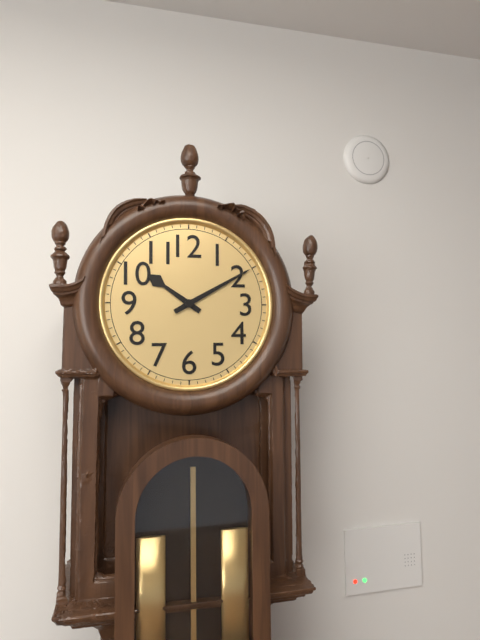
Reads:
10,10
